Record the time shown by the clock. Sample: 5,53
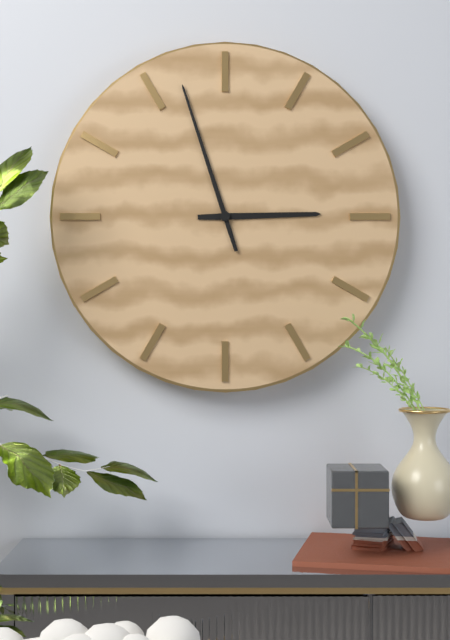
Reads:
2,57
